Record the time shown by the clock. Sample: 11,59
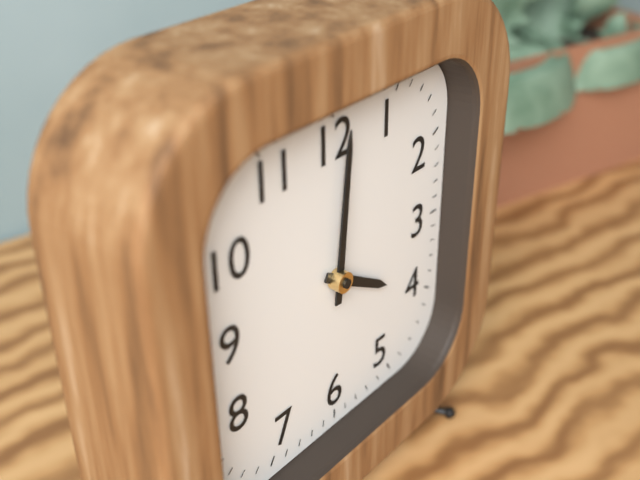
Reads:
4,01
